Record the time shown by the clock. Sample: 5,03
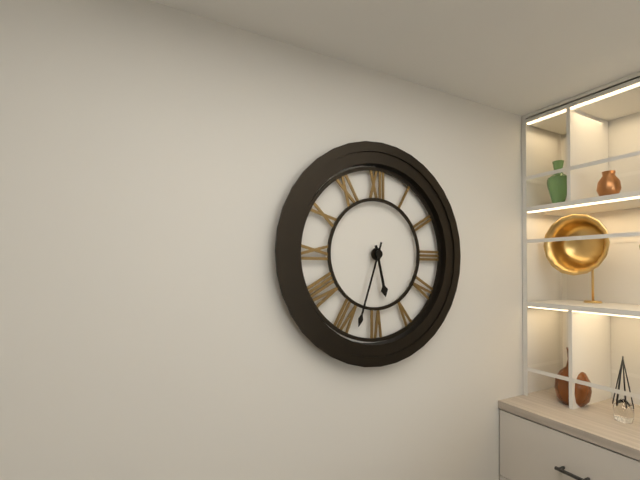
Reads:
5,33
